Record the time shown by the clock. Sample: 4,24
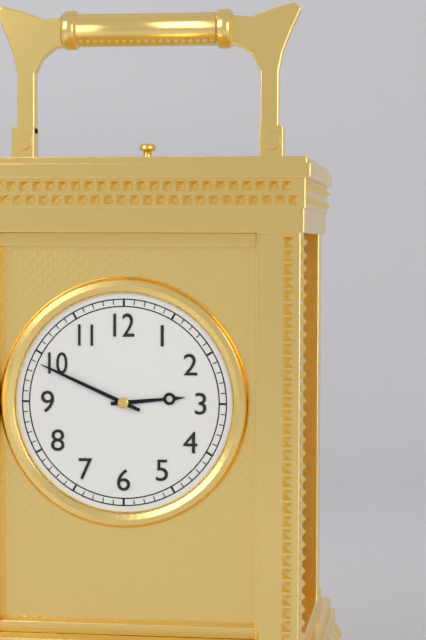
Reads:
2,49
